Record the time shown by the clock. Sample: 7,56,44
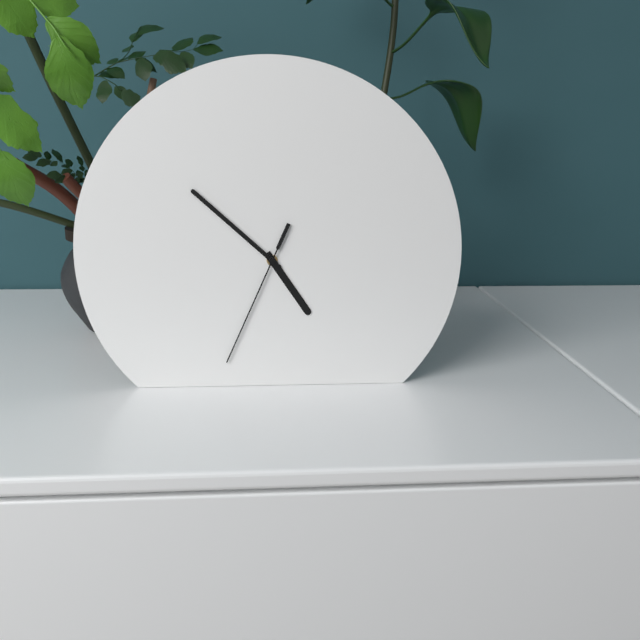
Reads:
4,52,34
